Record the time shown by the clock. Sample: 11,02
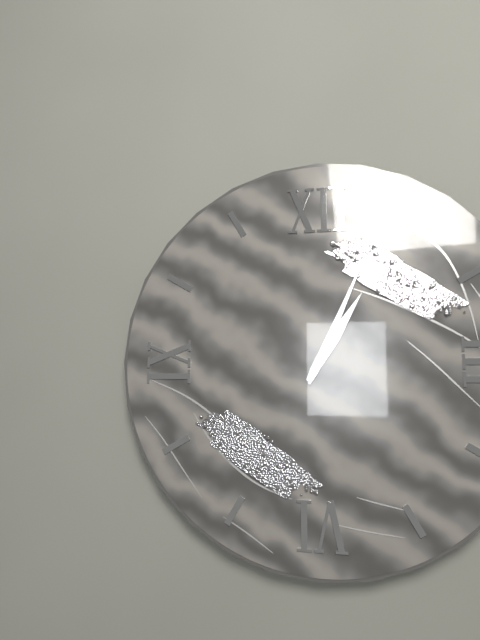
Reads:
1,04
